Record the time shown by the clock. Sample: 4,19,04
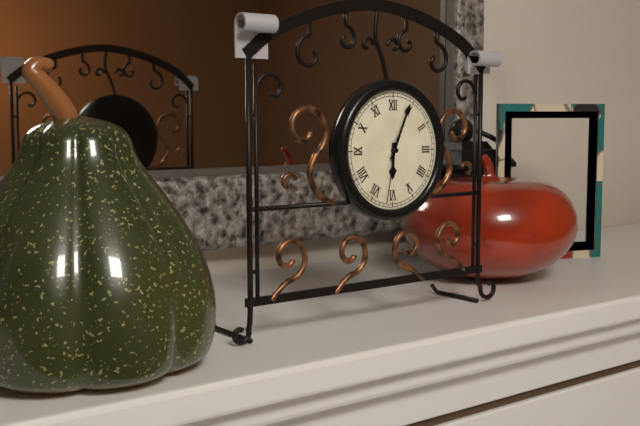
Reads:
6,04,32
